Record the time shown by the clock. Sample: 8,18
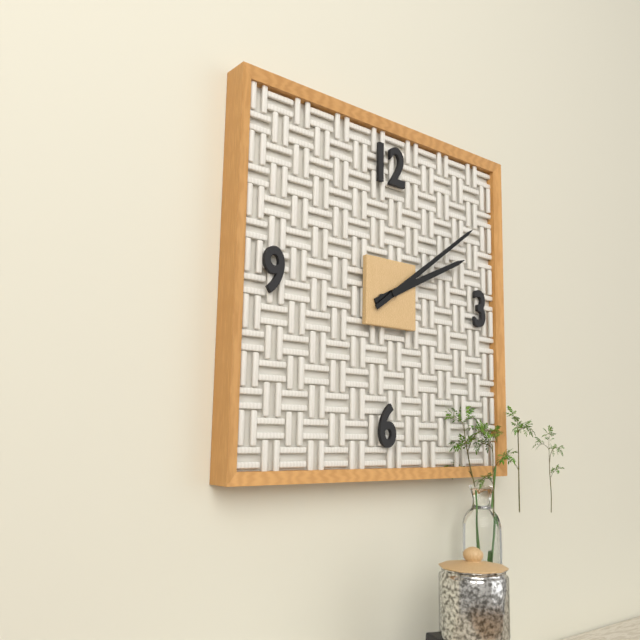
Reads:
2,09
